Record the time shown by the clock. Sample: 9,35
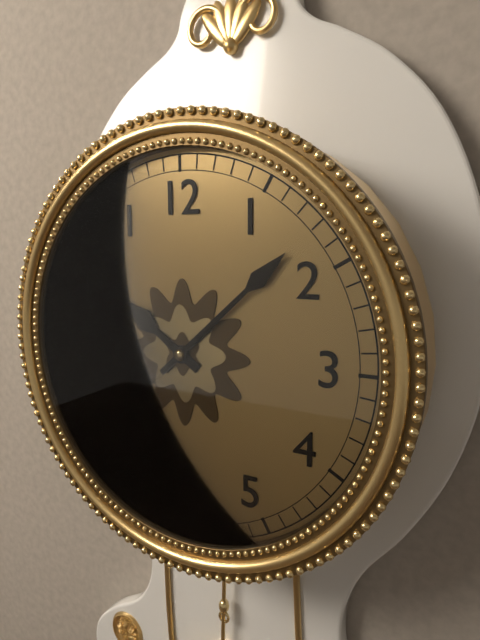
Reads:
10,08
